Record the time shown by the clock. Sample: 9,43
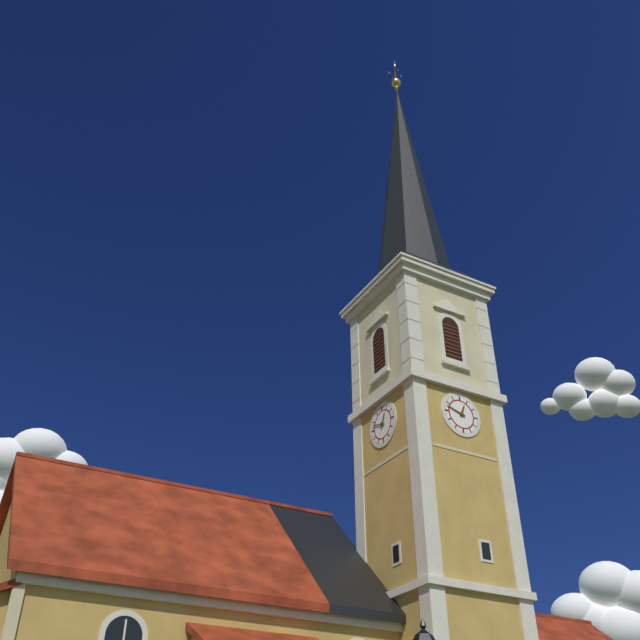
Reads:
12,48
